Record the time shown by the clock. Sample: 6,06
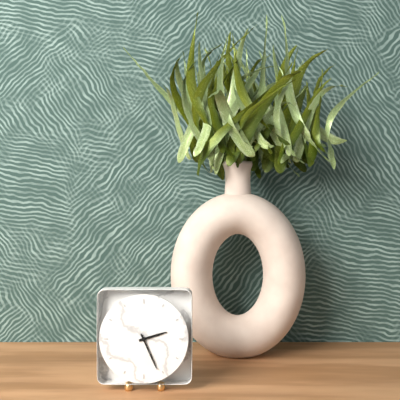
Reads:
2,26
